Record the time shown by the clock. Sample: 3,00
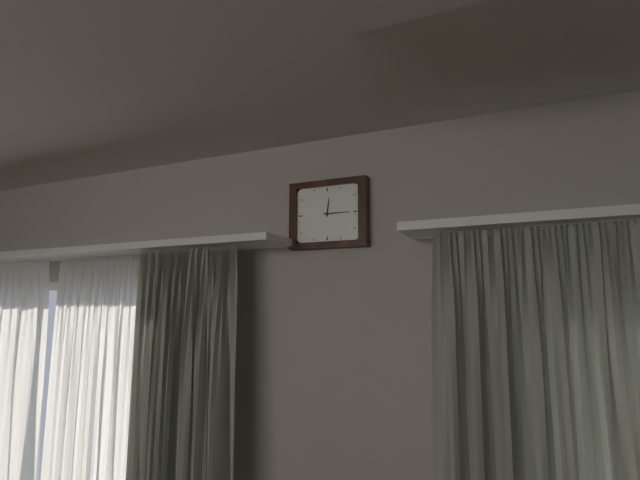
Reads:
12,15
